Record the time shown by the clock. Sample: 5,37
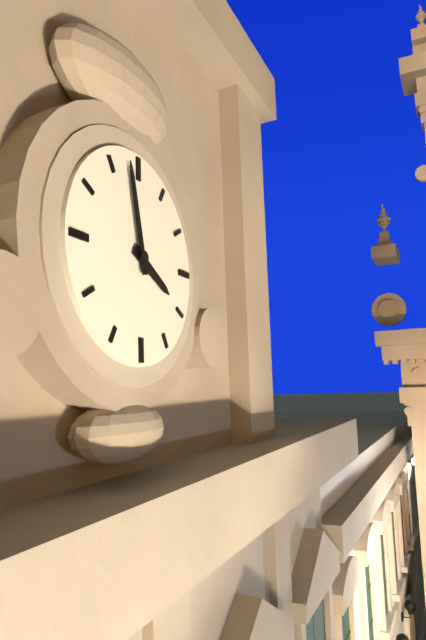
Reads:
3,58
